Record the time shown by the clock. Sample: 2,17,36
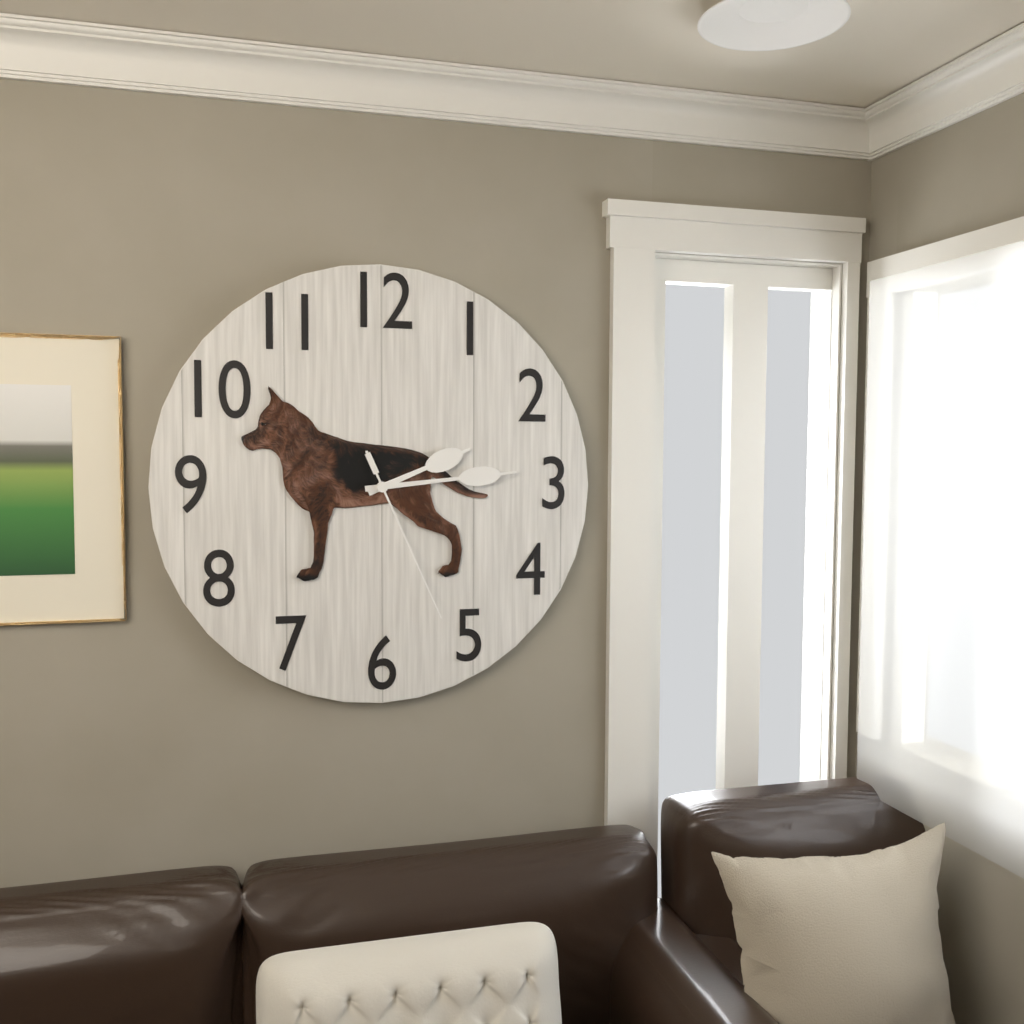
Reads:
2,14,26
